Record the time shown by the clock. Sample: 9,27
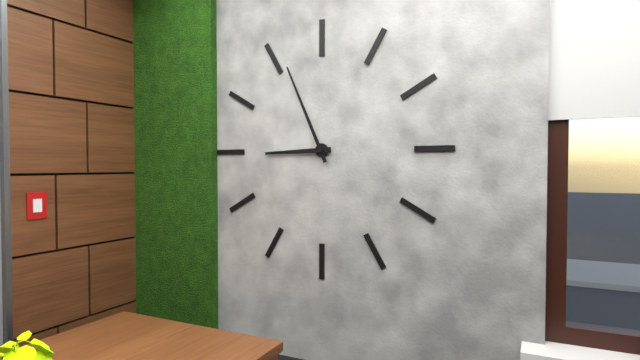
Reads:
8,56
